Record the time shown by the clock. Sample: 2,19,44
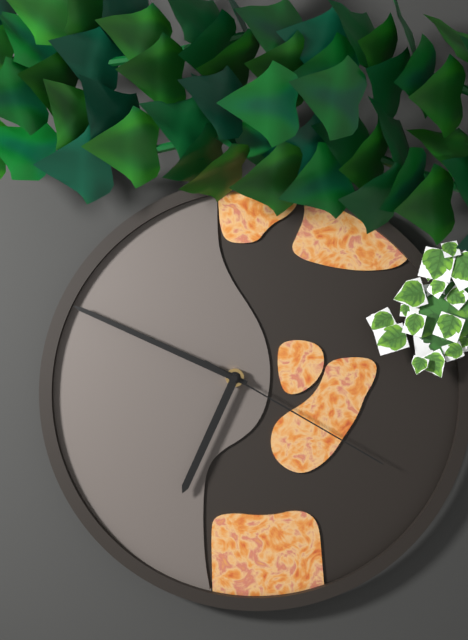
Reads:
6,49,20
